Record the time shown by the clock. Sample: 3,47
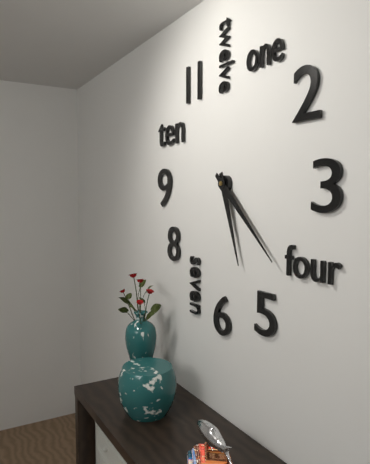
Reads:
5,22
